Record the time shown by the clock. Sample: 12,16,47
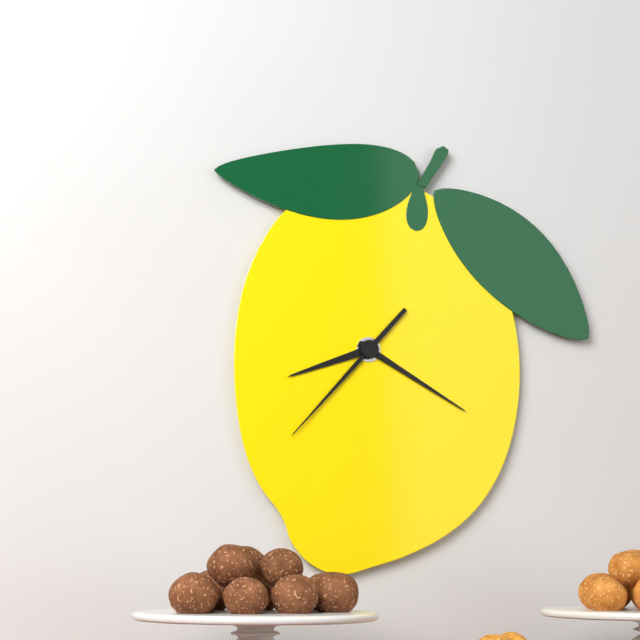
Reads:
8,20,37
